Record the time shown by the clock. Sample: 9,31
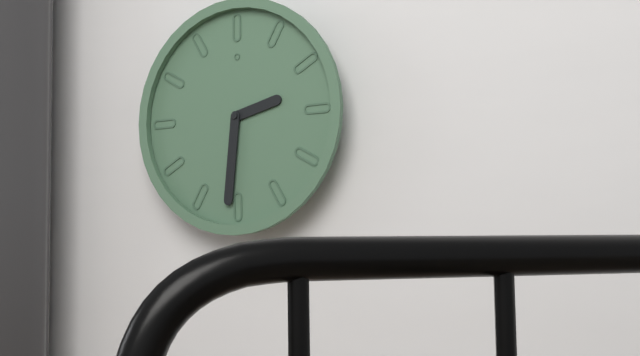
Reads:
2,31
